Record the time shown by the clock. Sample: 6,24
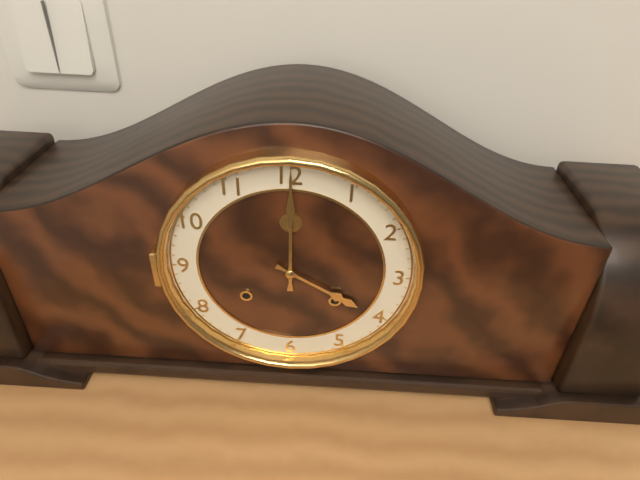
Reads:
4,00
